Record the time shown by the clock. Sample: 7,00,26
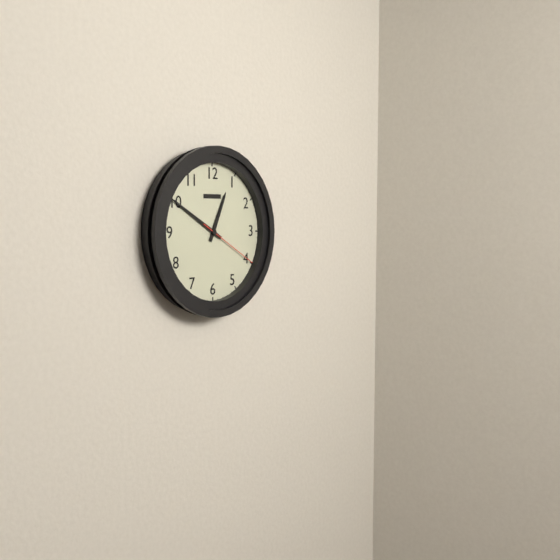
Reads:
12,50,20
